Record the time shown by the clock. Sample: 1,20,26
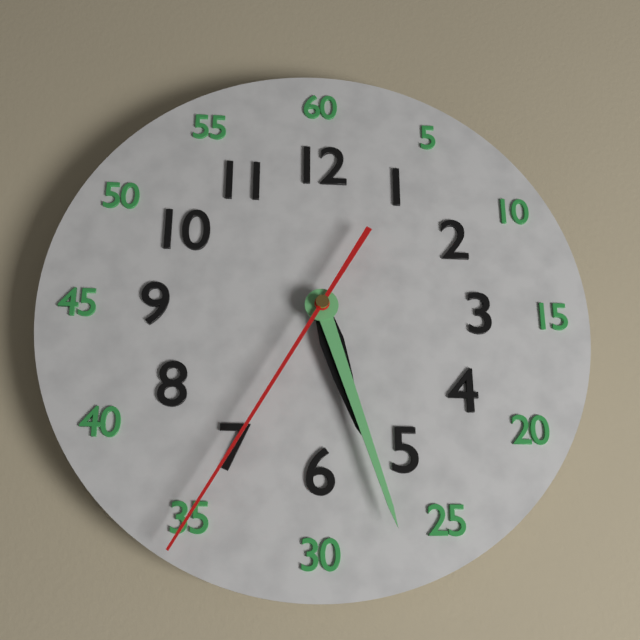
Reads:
5,27,35
